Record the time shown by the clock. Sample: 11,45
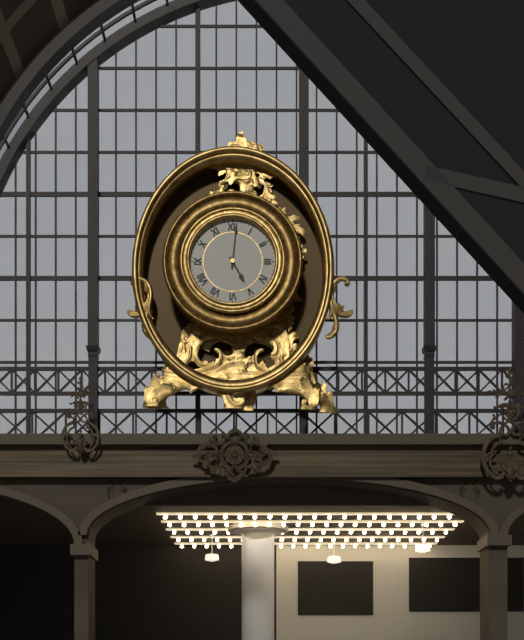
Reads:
5,01
